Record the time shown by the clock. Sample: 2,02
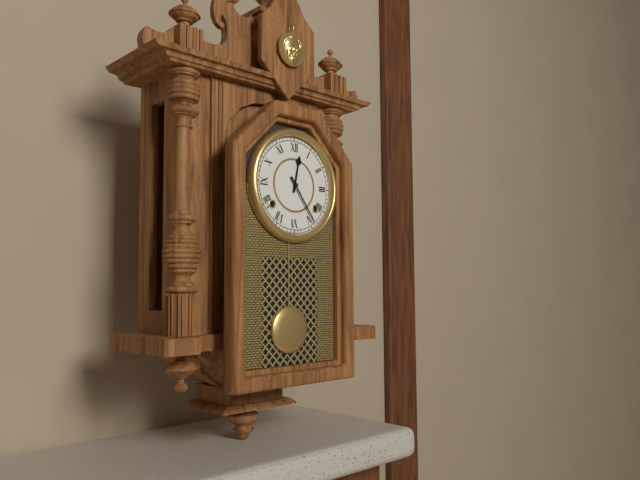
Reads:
12,24
